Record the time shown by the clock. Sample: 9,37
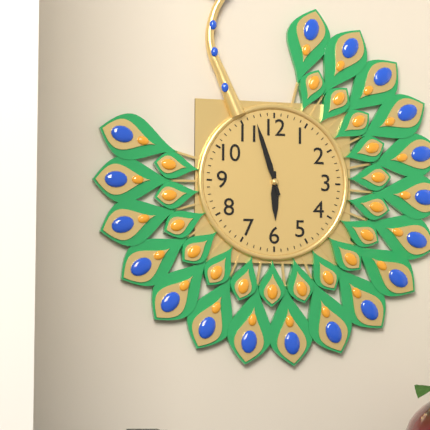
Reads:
5,57
